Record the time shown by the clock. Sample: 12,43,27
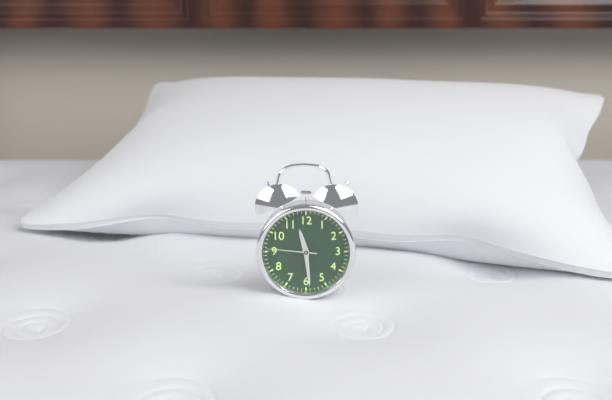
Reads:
11,29,46
